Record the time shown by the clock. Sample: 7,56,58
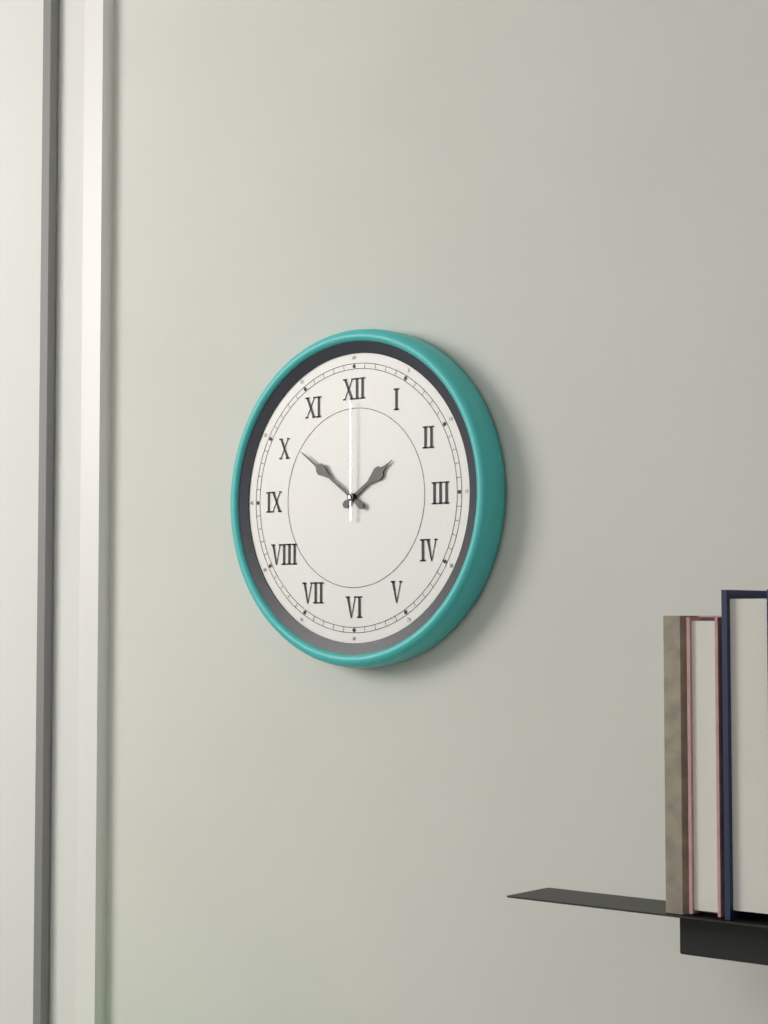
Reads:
1,51,00
